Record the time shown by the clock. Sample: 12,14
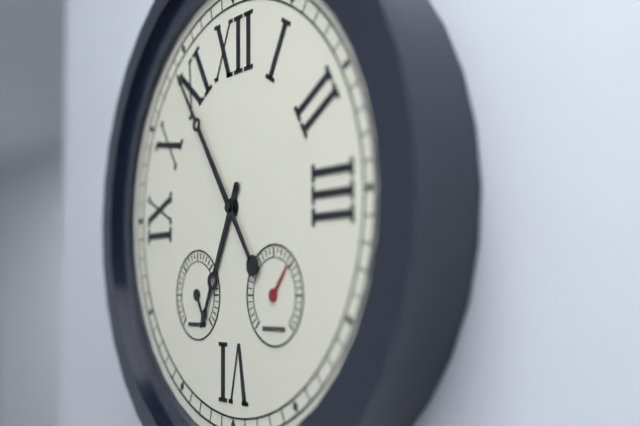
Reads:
6,54
